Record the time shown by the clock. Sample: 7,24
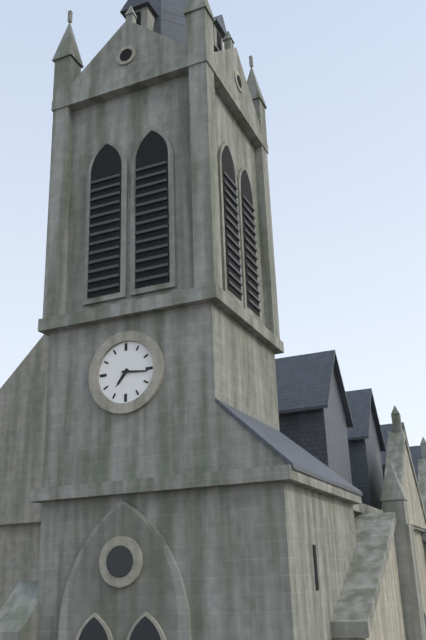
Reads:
7,16
